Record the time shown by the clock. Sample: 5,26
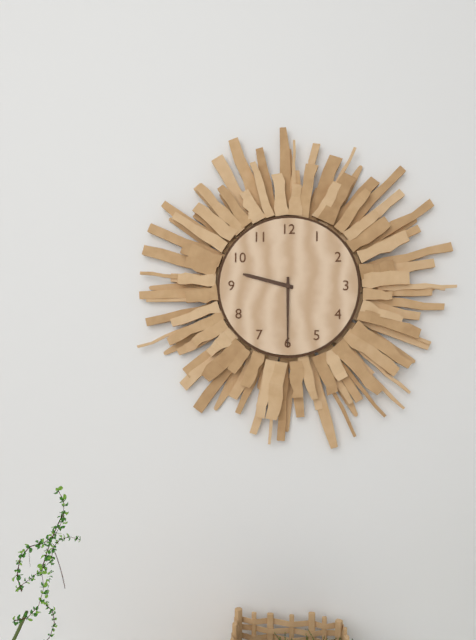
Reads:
9,30
